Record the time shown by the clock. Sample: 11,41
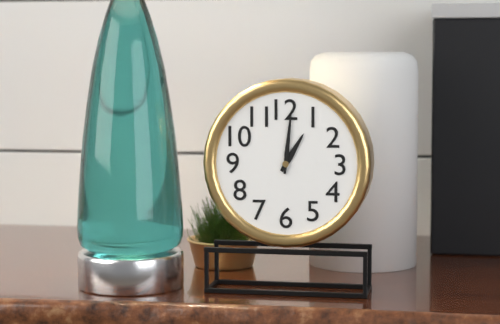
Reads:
1,01
